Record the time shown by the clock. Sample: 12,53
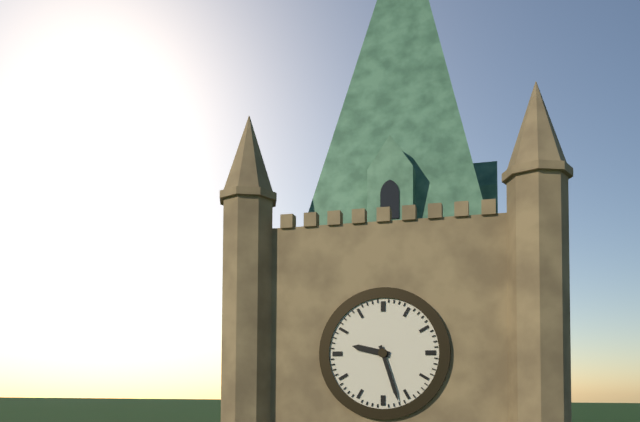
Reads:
9,27
